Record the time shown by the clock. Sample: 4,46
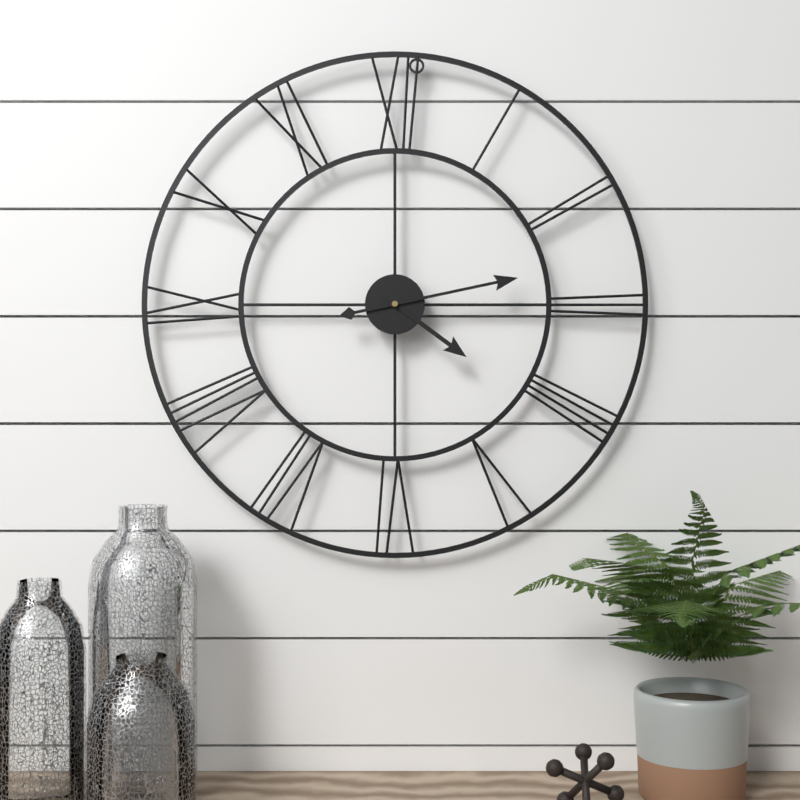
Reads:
4,13
